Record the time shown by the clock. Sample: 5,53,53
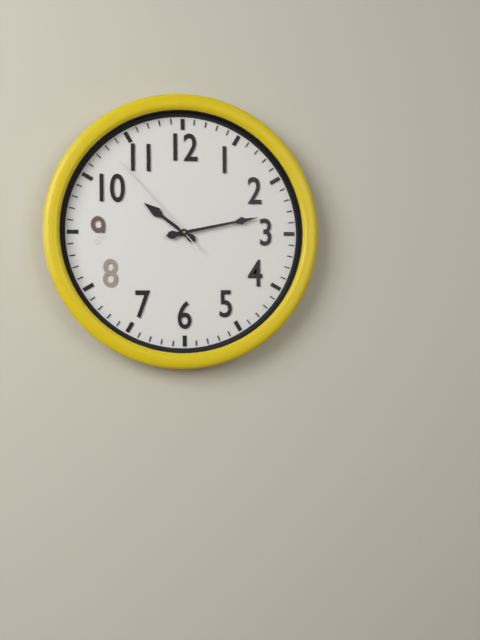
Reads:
10,13,53
